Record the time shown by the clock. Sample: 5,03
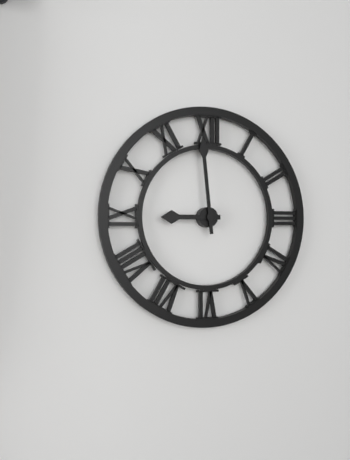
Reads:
8,59
